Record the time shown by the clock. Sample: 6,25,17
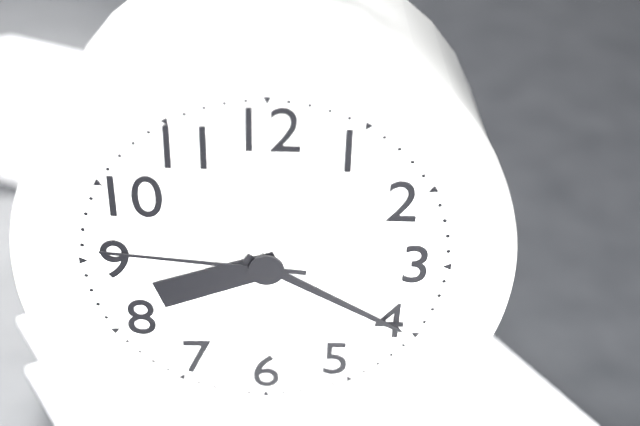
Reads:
8,20,46
